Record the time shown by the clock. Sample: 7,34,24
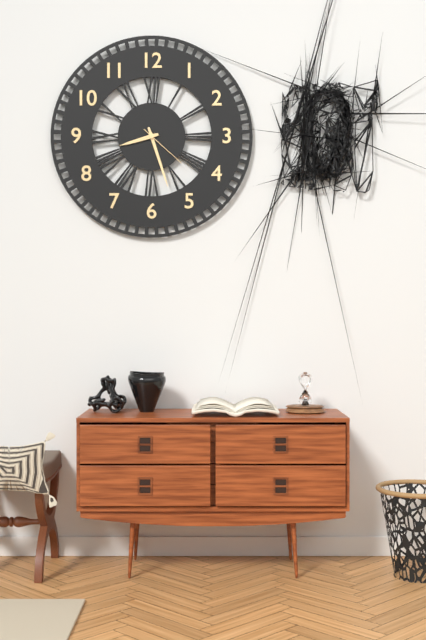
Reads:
8,27,22
